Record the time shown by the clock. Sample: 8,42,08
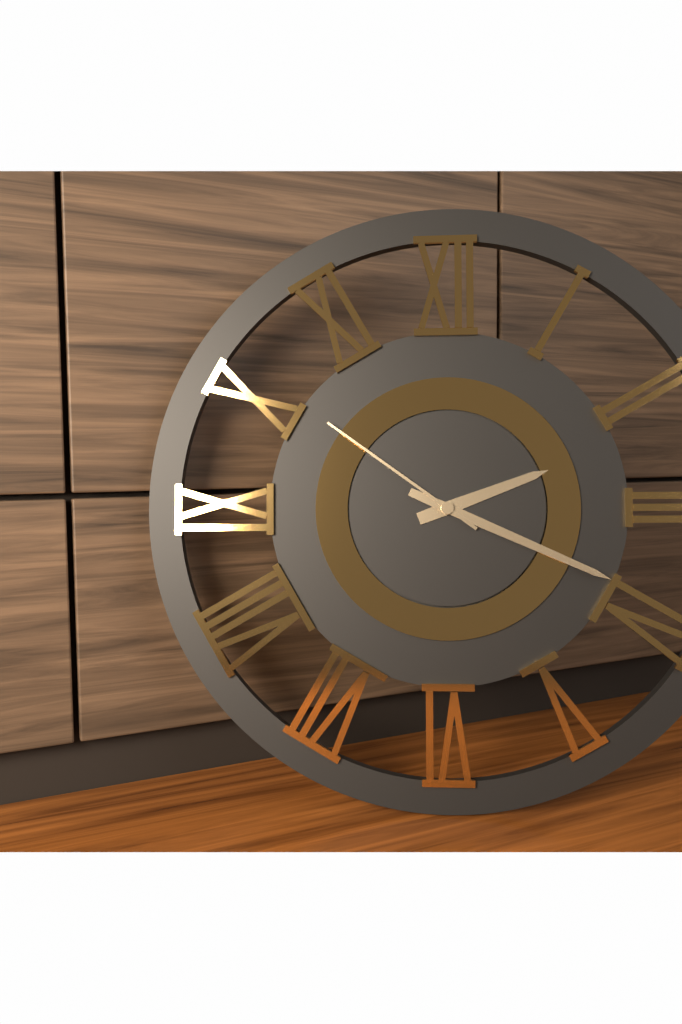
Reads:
2,19,51
